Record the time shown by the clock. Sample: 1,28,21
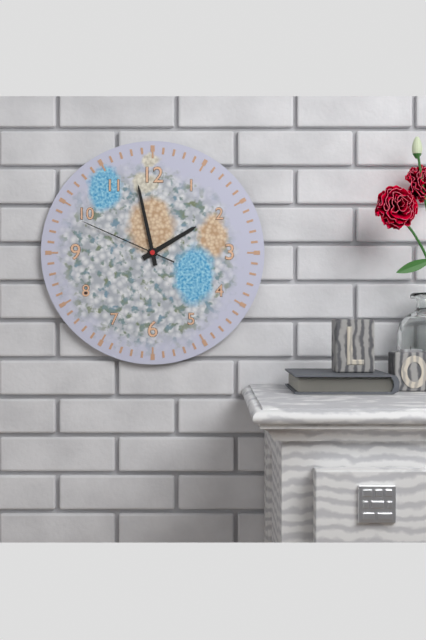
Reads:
1,58,49
